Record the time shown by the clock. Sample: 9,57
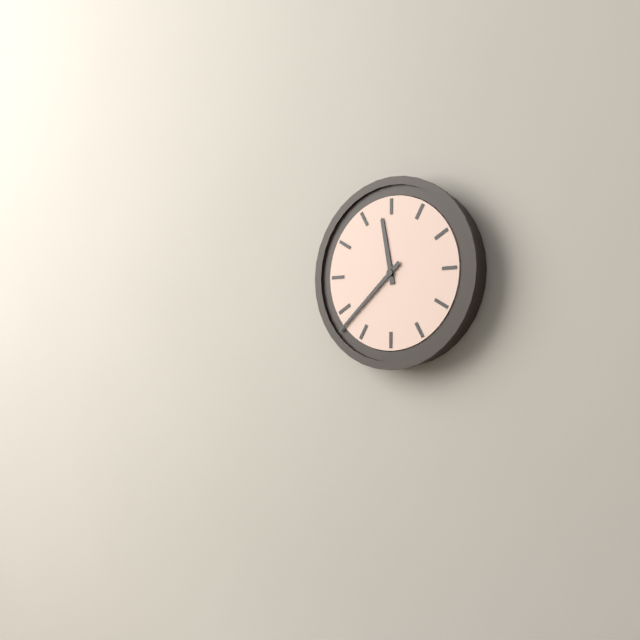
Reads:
11,38
